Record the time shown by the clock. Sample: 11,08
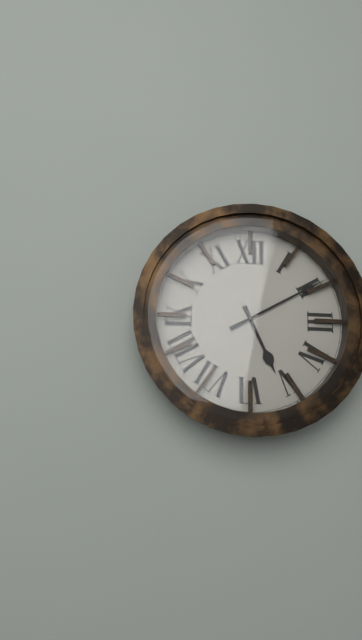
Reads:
5,10
